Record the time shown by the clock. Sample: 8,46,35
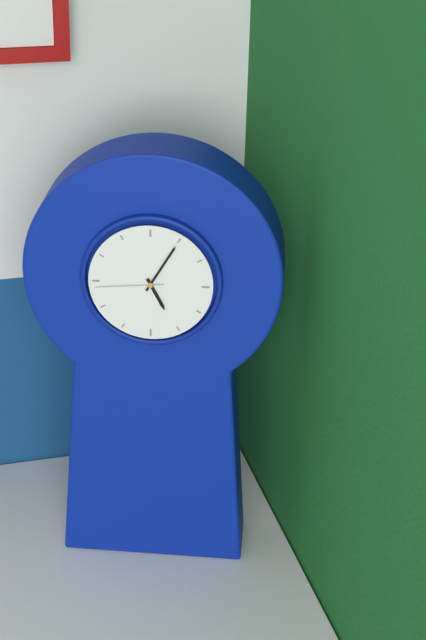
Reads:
5,05,44
